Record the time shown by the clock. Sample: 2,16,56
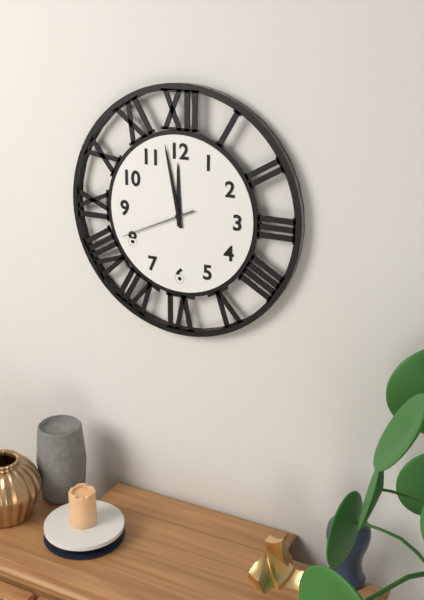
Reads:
11,58,41
